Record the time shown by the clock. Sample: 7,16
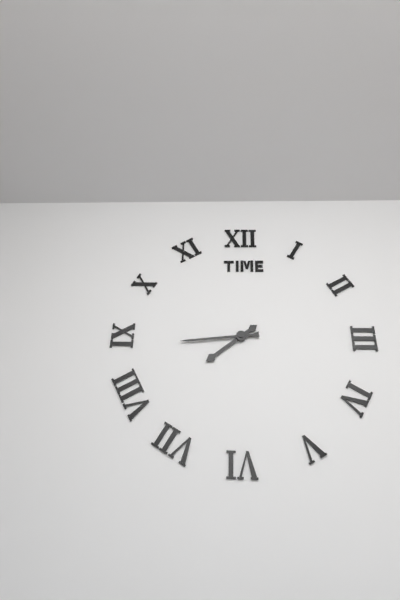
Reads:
7,44
